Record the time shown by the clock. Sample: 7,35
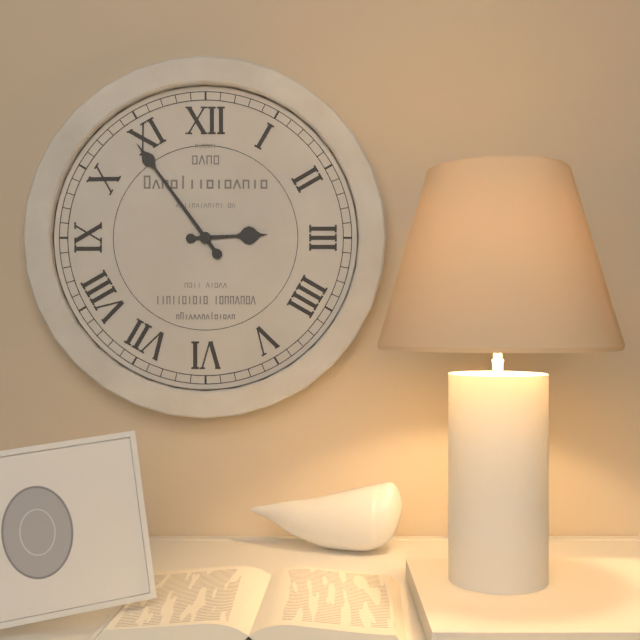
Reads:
2,54
